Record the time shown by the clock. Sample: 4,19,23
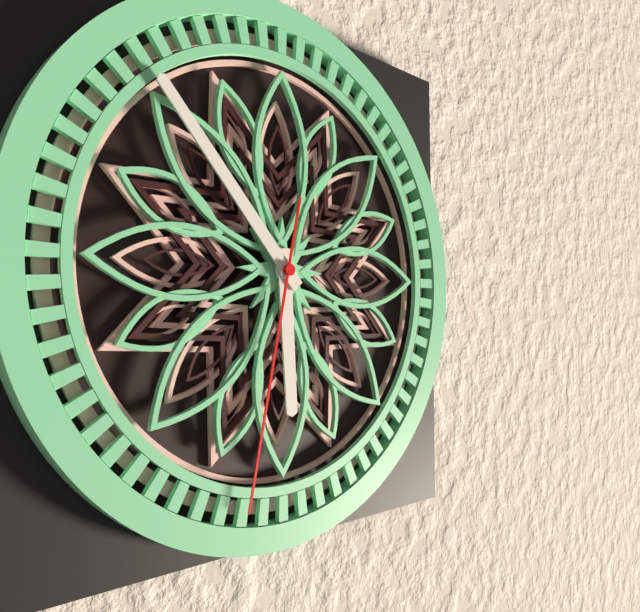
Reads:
5,53,32
